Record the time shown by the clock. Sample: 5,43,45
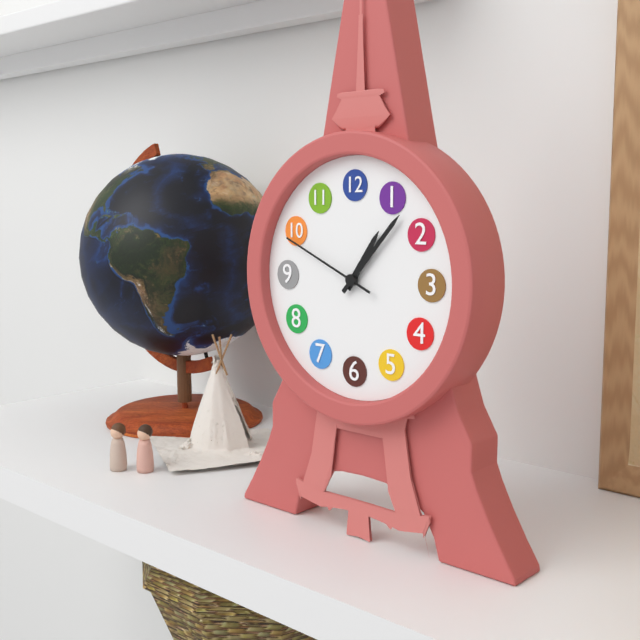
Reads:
1,07,49
